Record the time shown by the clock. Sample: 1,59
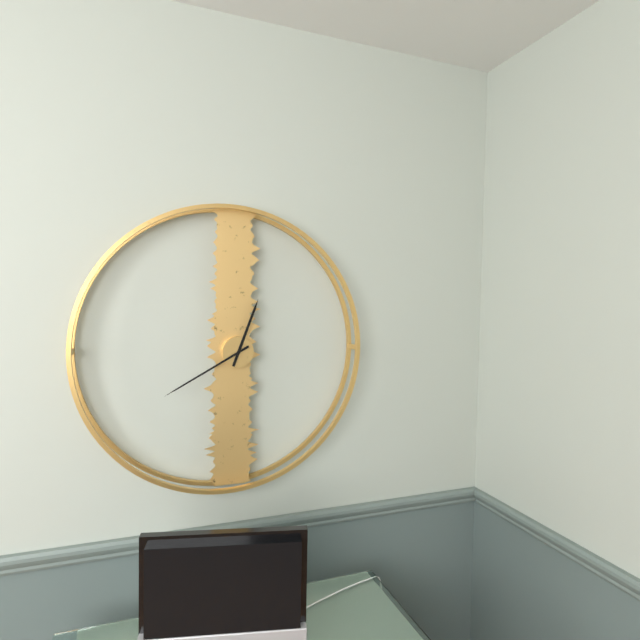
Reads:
12,40
